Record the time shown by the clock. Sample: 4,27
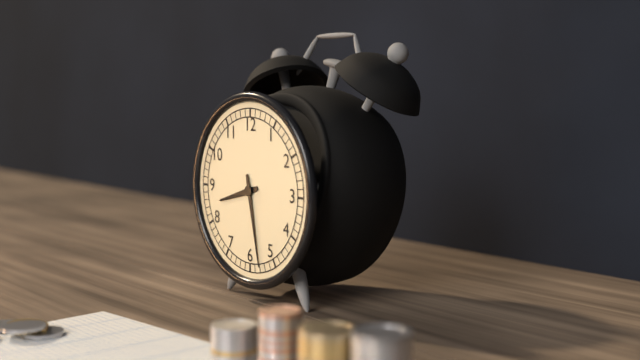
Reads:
8,28
